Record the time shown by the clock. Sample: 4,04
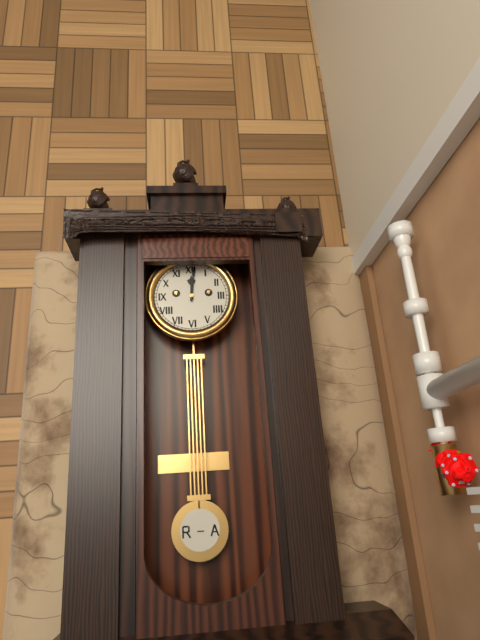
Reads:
12,01
